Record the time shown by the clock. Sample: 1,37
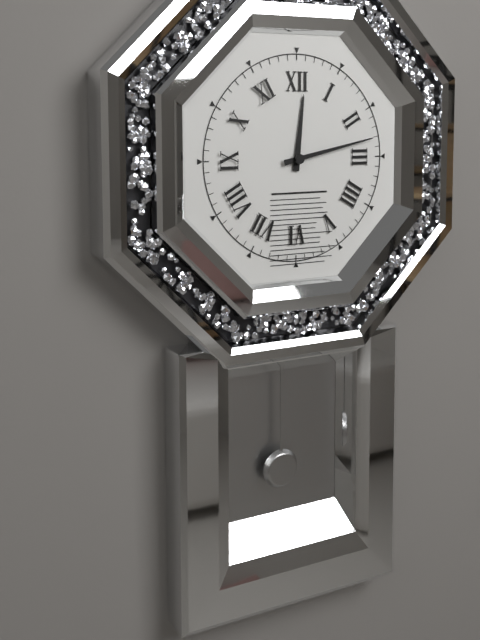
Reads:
12,13
